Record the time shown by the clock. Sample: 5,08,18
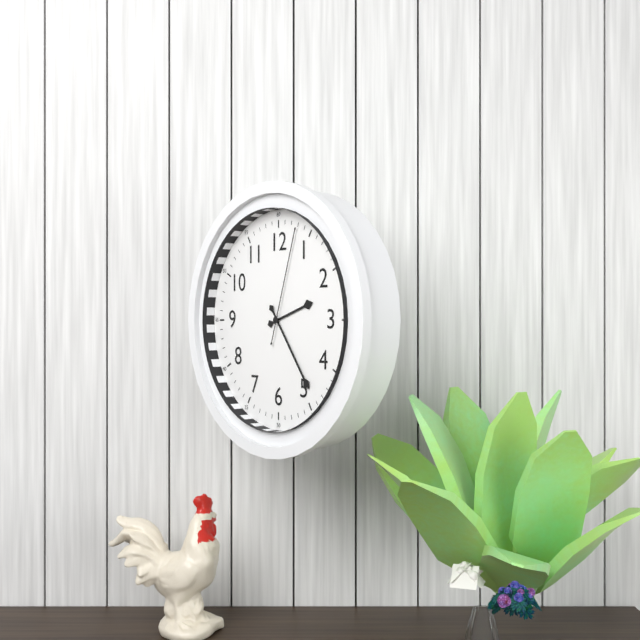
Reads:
2,24,03
